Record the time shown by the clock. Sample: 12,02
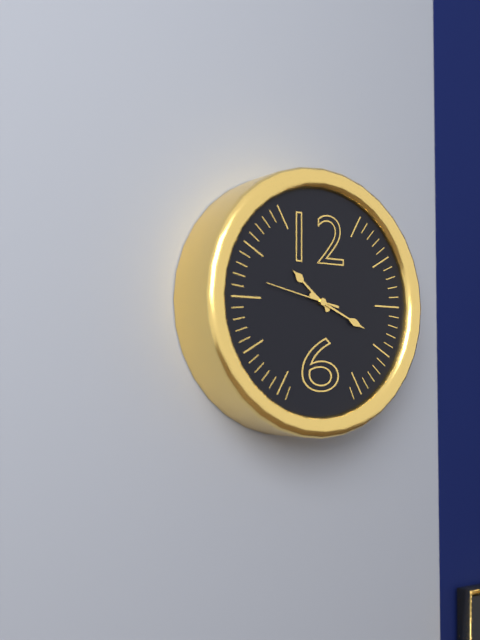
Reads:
10,19
